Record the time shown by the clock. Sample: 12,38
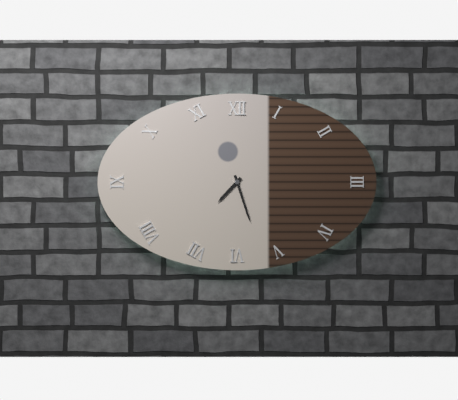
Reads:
7,27
